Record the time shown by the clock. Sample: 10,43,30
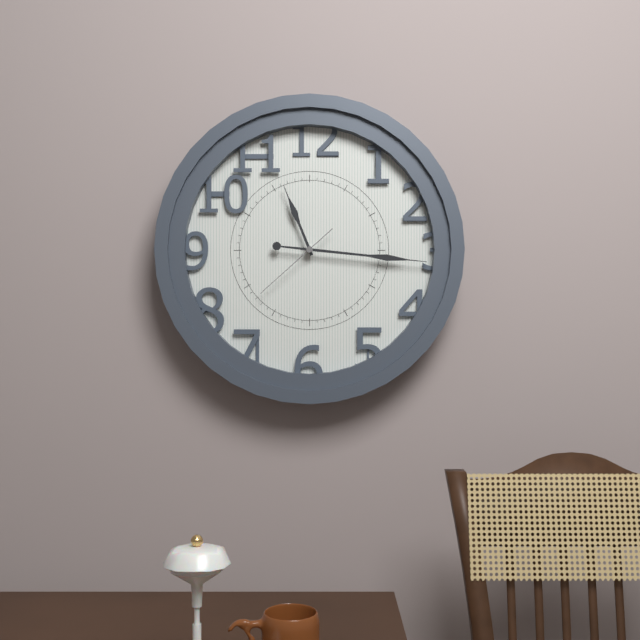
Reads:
11,16,38
